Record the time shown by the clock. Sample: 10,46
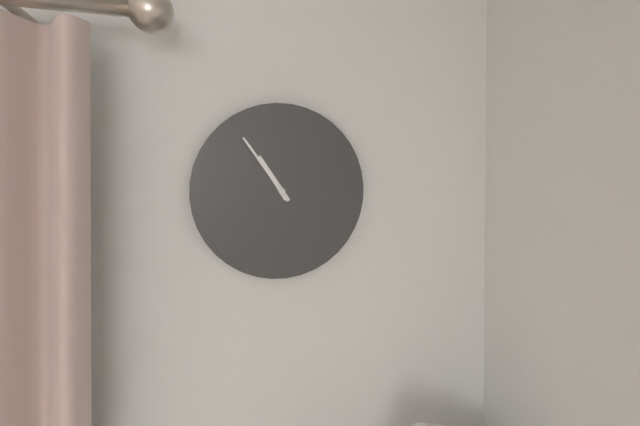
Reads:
10,54
